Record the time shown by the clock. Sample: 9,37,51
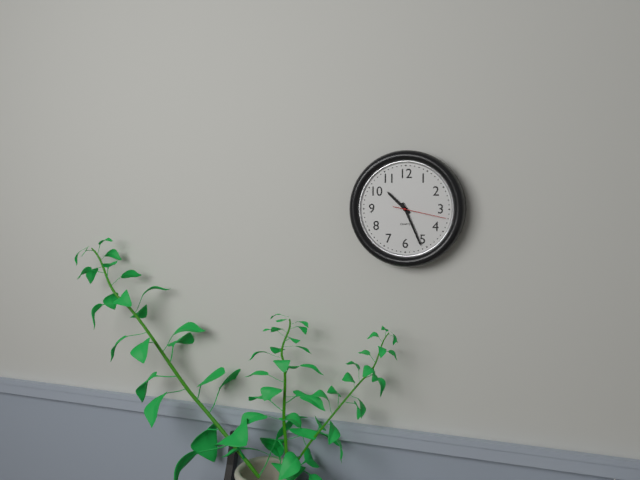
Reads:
10,26,17
